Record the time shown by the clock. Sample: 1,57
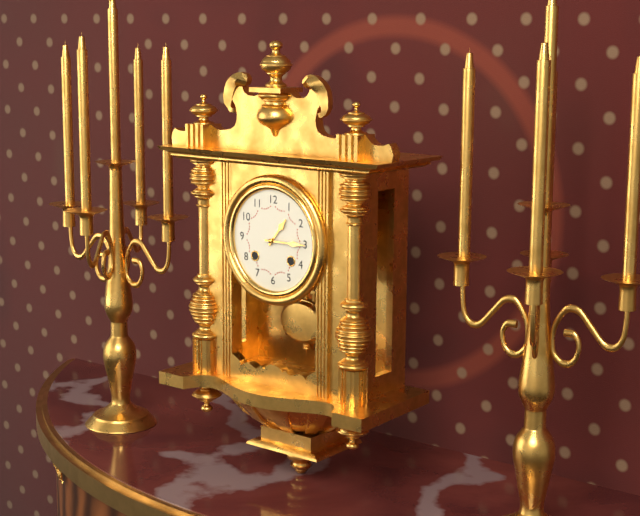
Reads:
1,15
